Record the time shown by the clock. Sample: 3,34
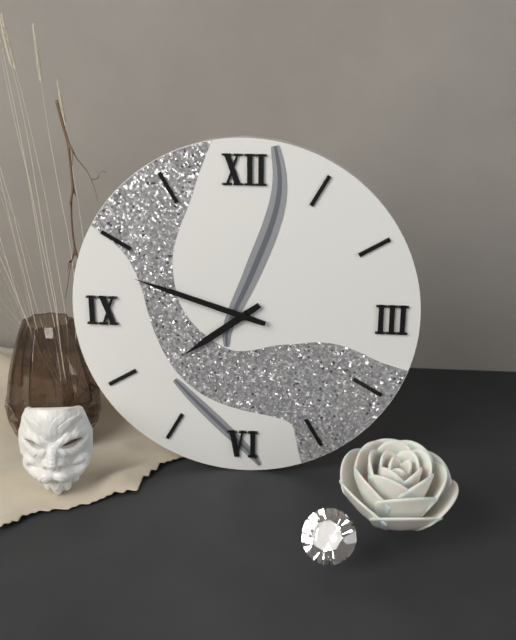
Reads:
7,48
